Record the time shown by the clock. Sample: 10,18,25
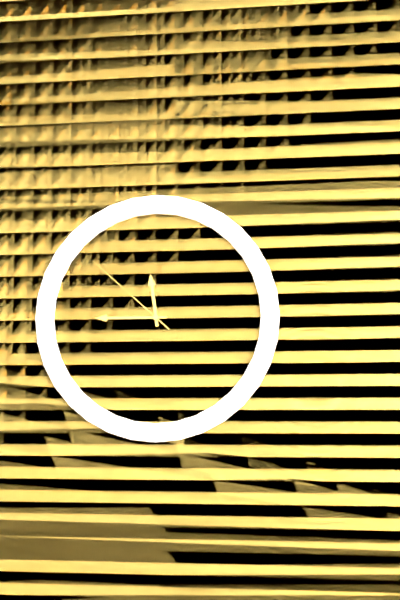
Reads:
11,45,52
